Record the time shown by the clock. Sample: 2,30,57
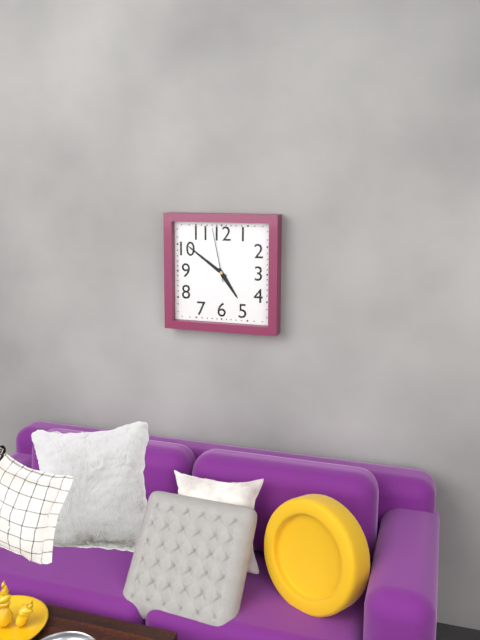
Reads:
4,51,58
